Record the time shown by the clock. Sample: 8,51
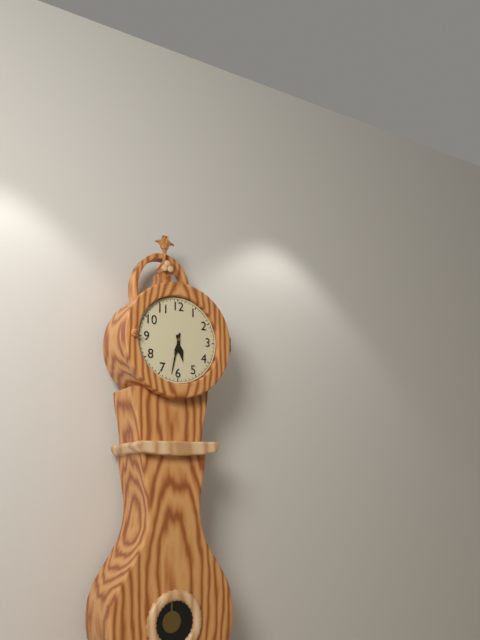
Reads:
5,32
